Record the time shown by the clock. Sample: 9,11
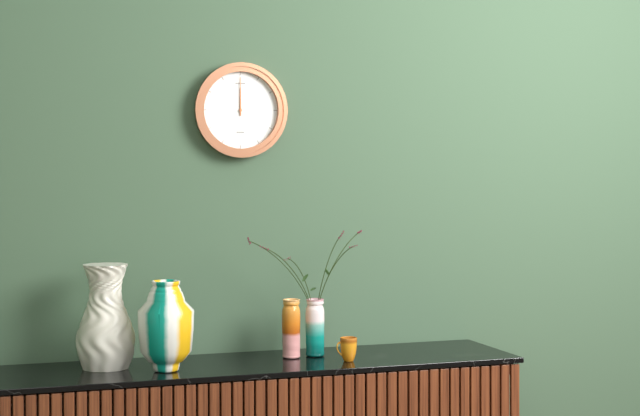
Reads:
12,00
